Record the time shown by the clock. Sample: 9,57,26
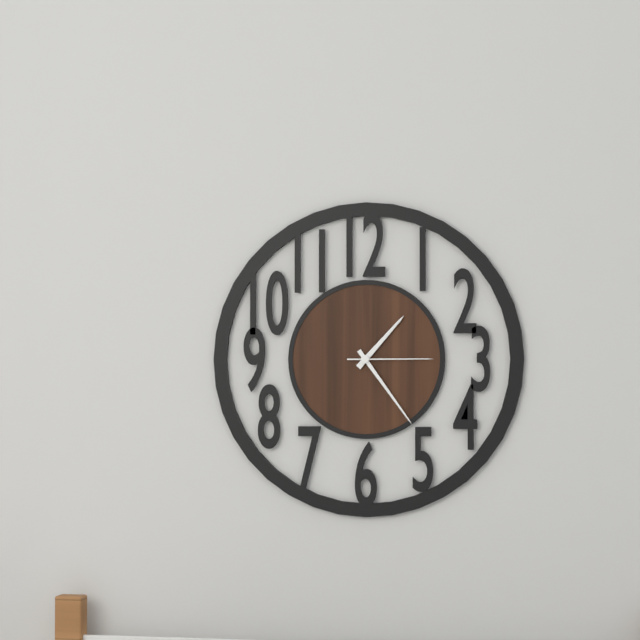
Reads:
1,24,15
